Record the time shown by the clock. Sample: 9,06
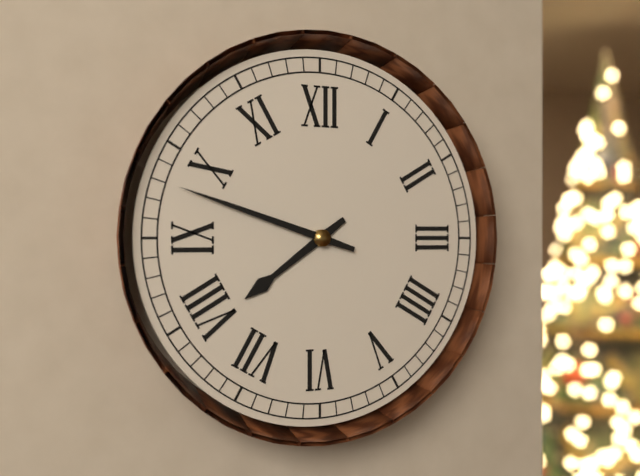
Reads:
7,48
